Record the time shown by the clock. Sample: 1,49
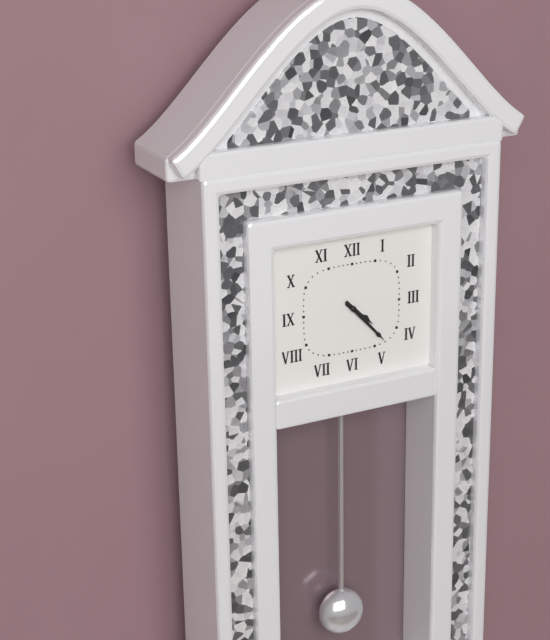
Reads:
4,23
